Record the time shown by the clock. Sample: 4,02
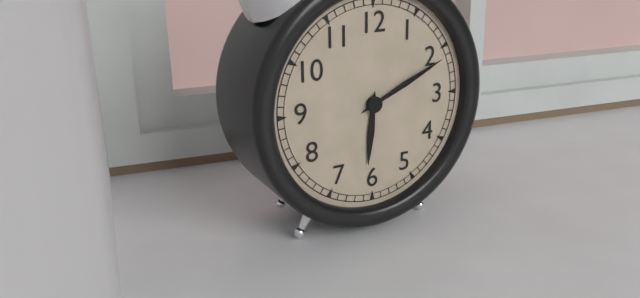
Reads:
6,11
